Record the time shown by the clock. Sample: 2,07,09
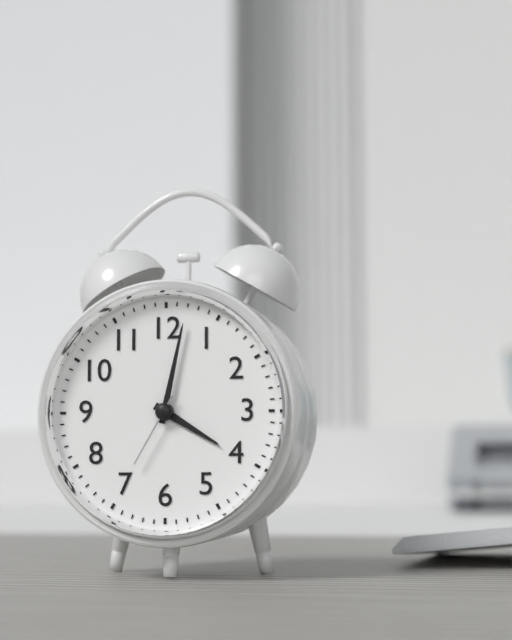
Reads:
4,02,35
